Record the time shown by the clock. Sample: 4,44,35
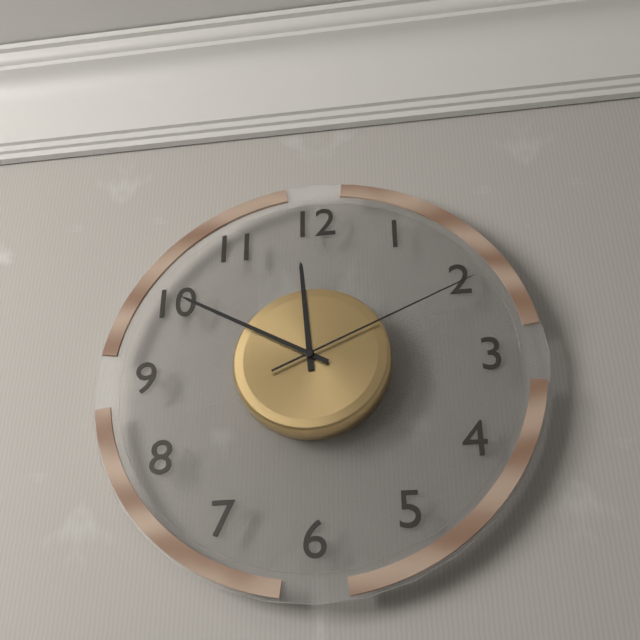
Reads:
11,50,11
